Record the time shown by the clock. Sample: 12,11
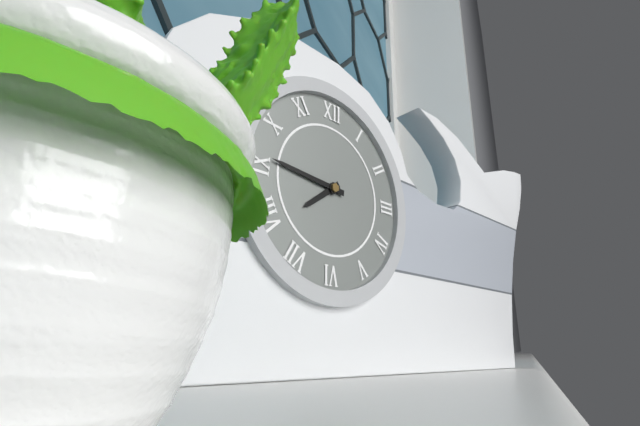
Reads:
7,46
